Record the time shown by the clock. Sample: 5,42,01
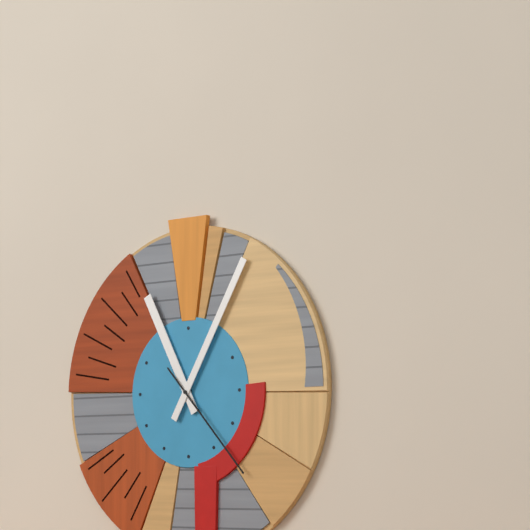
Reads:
11,05,23
